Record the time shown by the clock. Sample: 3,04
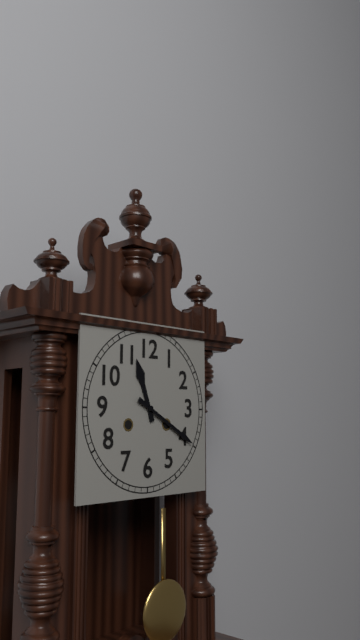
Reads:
11,20
